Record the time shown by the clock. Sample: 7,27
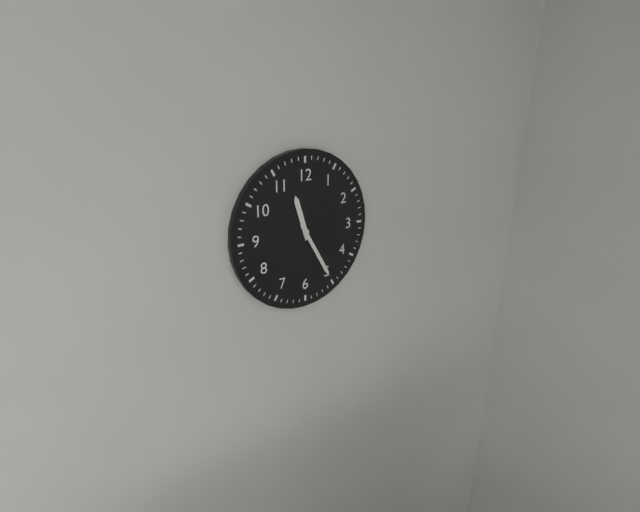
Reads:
11,25
